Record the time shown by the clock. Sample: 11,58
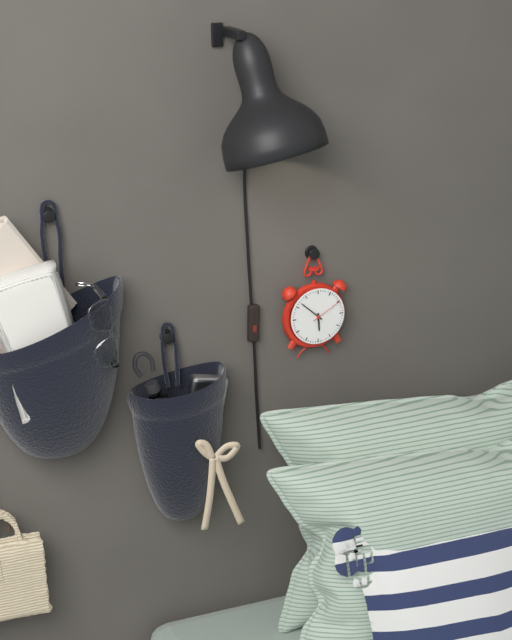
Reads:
5,52
